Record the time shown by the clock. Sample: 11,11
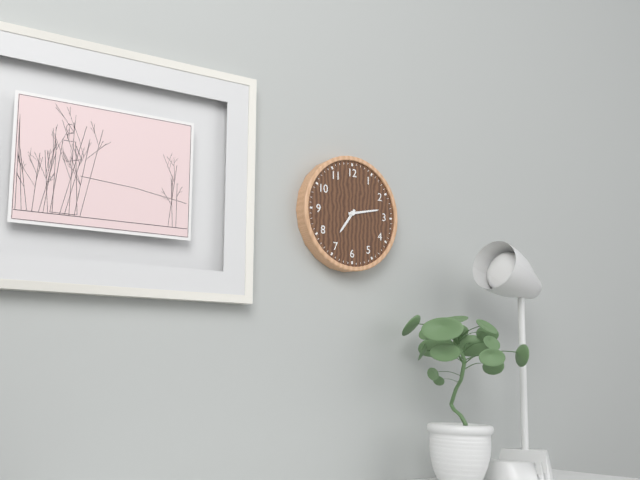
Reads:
7,13
